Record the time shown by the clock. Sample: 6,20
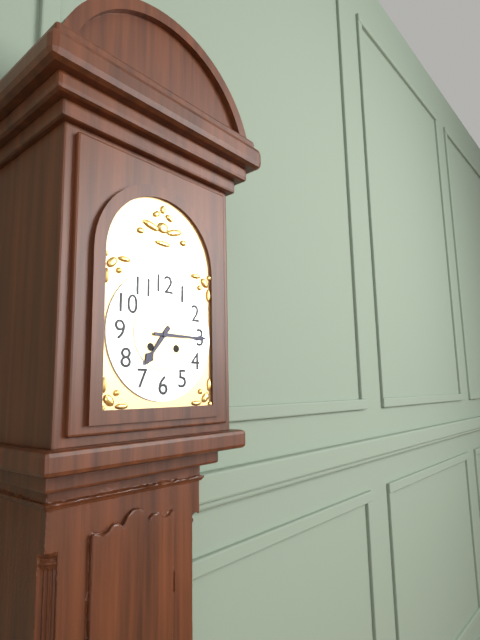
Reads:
7,15
